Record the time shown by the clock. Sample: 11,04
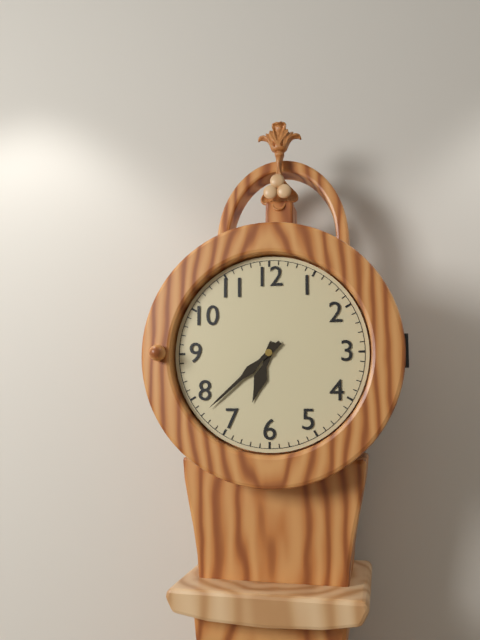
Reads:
6,38
